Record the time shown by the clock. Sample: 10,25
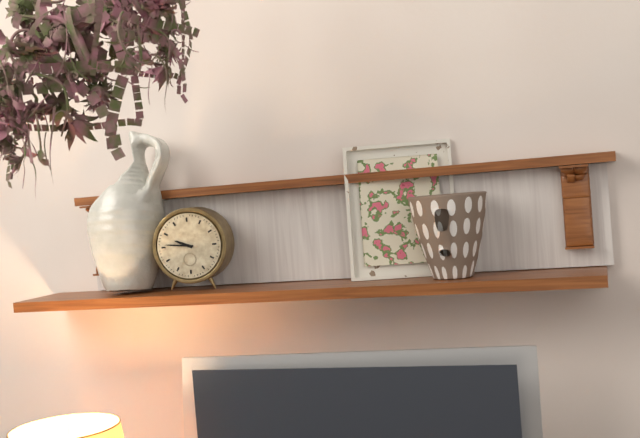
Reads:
9,46
